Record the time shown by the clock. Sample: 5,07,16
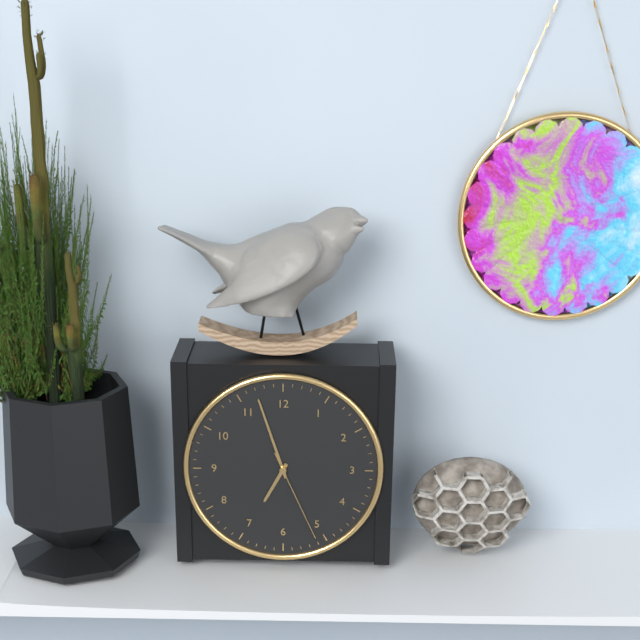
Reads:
6,57,26
